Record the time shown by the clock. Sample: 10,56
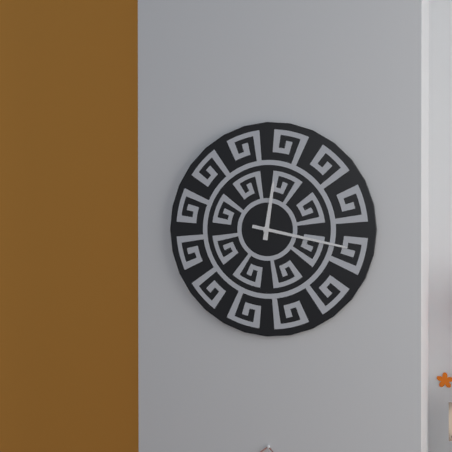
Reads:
12,17
